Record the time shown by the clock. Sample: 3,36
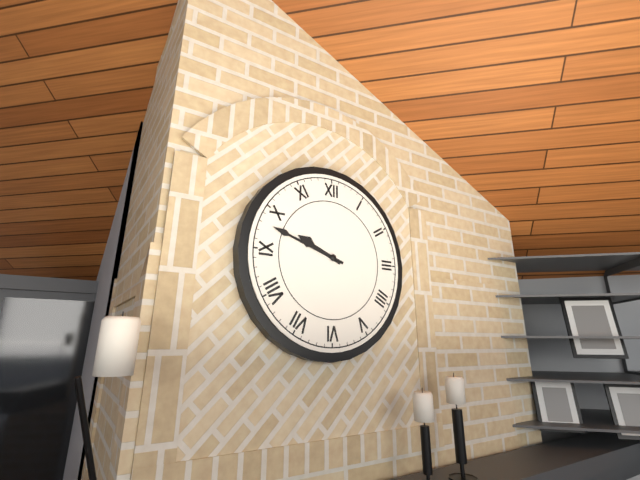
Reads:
9,48
